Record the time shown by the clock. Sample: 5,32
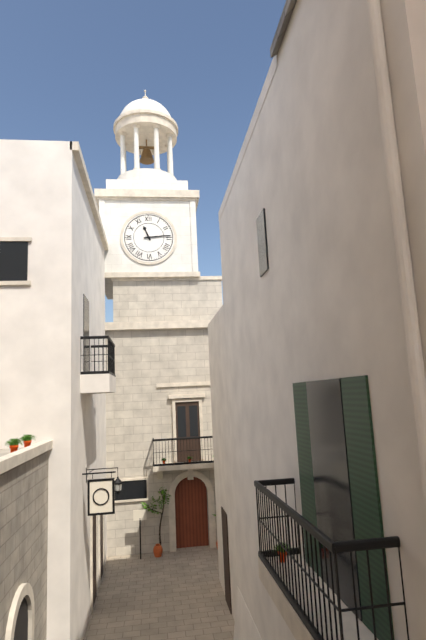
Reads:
11,14
